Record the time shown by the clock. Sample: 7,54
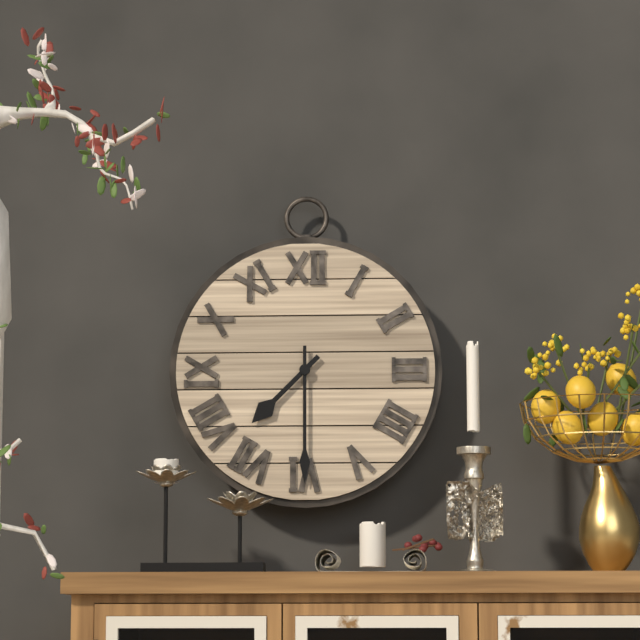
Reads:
7,30
